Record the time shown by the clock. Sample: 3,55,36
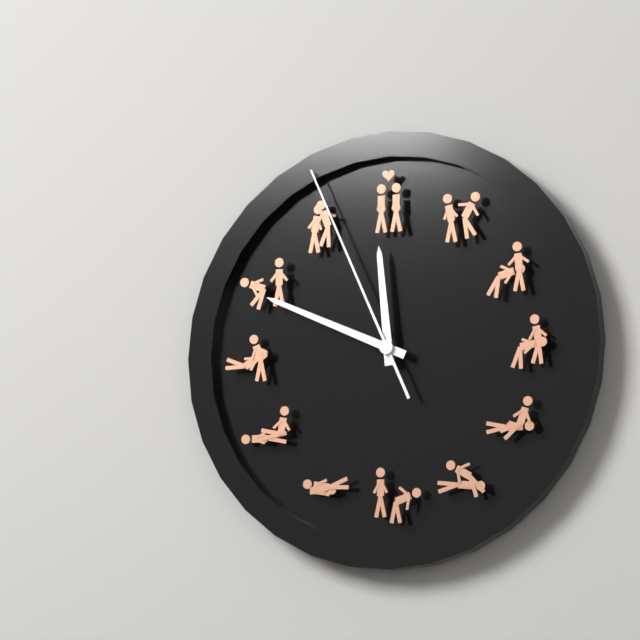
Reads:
11,49,56
